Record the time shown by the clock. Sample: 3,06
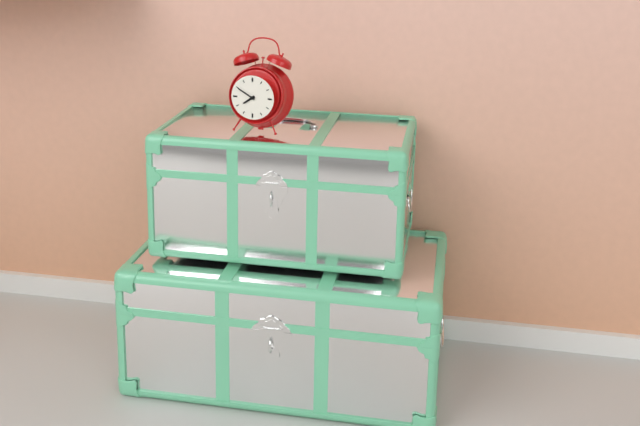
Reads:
7,50
